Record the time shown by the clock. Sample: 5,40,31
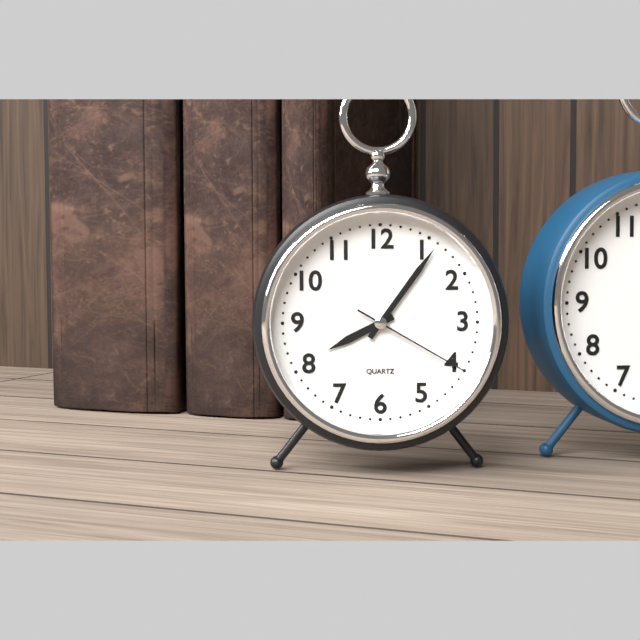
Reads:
8,06,20
